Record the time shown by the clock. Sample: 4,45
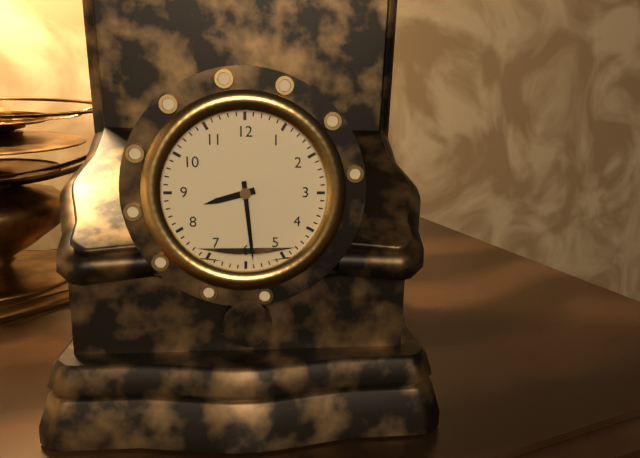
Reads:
8,29
